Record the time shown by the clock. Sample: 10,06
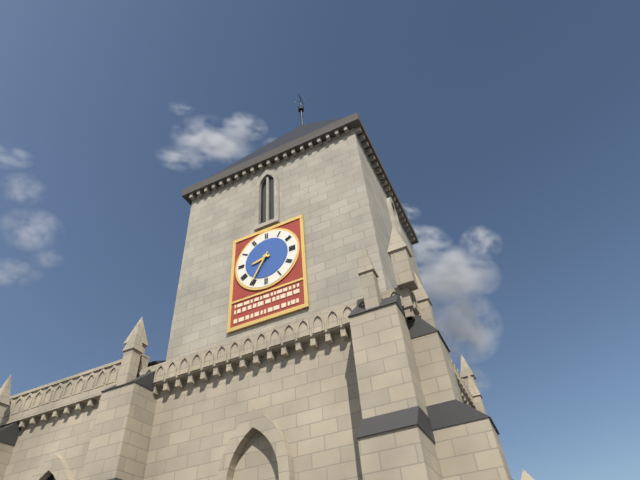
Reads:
8,35
